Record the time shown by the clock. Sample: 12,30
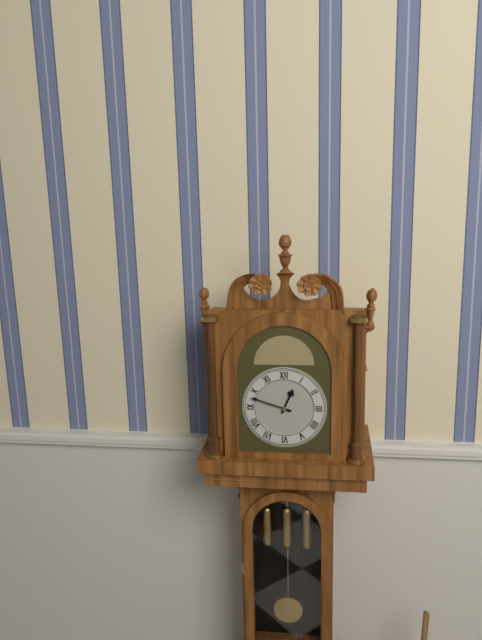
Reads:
12,48
